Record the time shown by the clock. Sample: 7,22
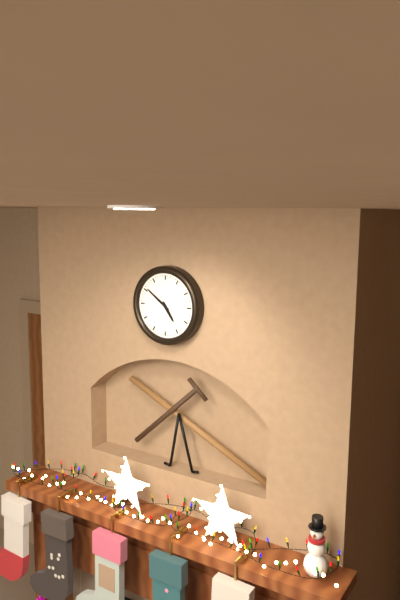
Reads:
4,51
